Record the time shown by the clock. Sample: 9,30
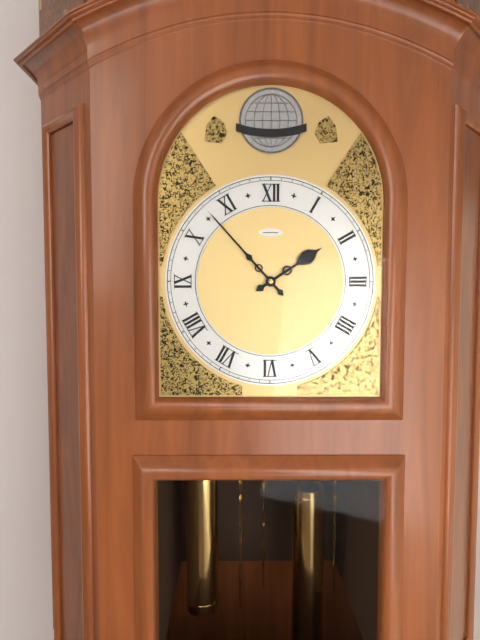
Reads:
1,53
